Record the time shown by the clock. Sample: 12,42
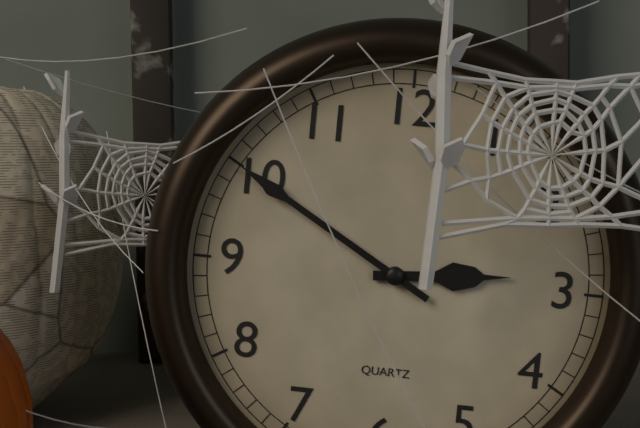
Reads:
2,50
